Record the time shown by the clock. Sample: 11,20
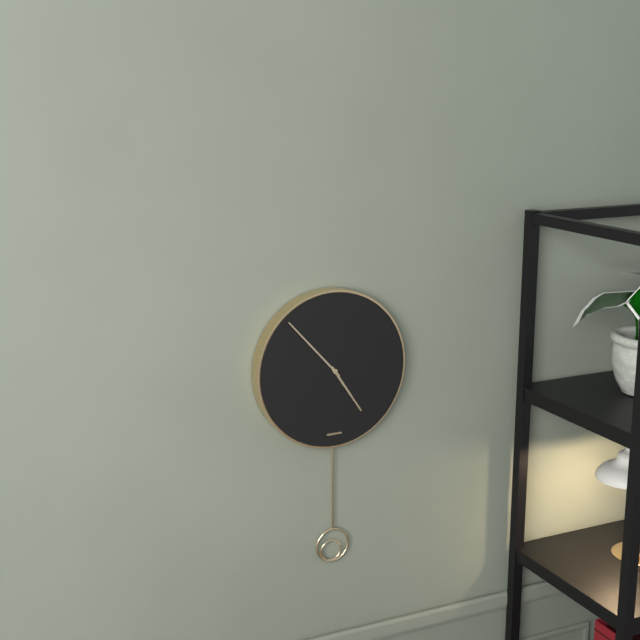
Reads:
4,53
